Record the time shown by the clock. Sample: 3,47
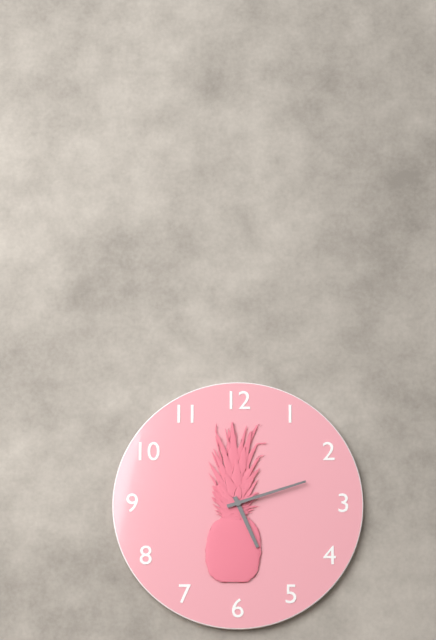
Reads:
5,12
